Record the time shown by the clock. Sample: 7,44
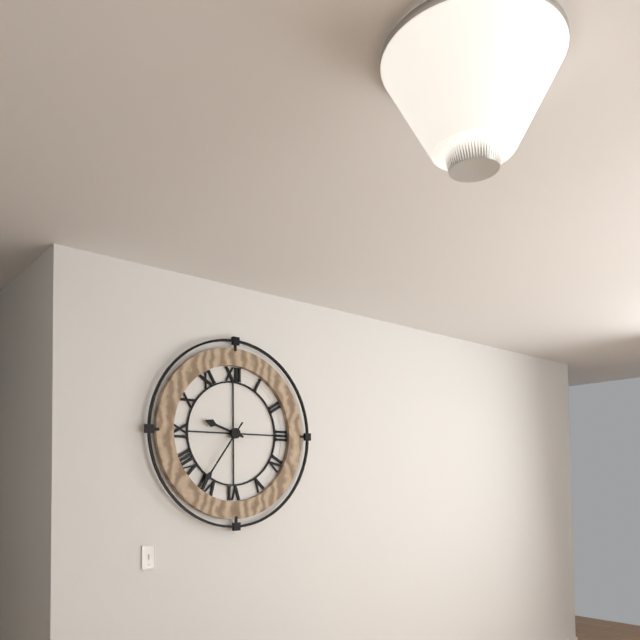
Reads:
9,36
